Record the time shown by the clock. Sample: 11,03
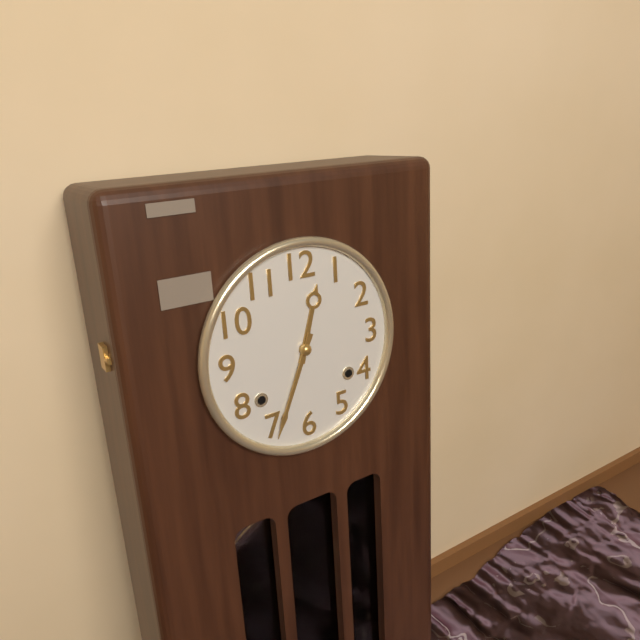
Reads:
12,34
